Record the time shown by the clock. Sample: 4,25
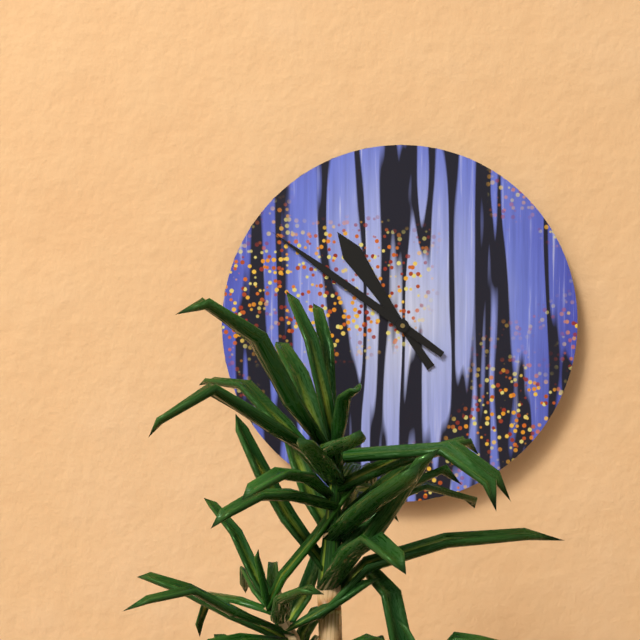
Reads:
10,51
